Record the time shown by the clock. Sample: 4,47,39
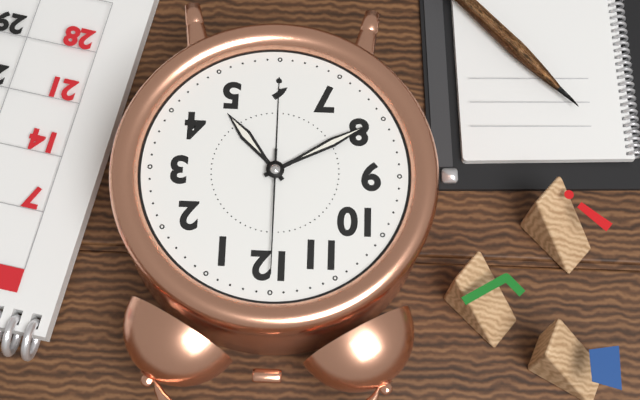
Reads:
4,40,00
